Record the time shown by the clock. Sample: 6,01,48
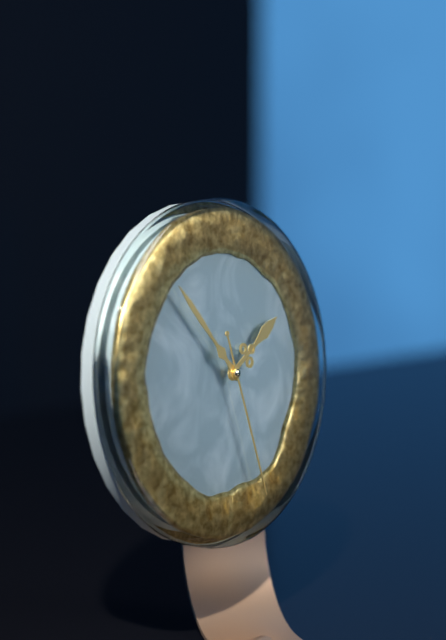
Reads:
1,53,27
